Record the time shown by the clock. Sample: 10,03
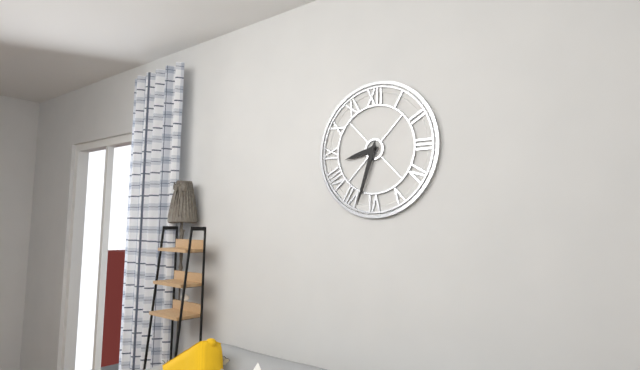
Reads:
8,33
